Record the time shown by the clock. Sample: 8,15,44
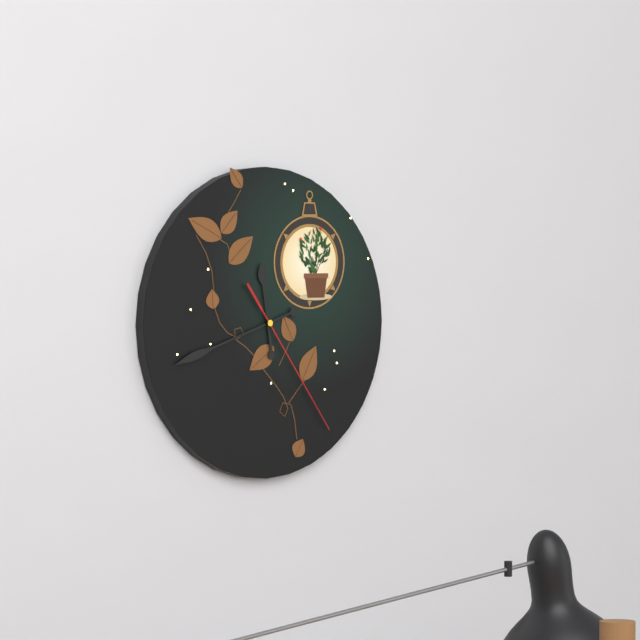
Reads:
11,42,24
